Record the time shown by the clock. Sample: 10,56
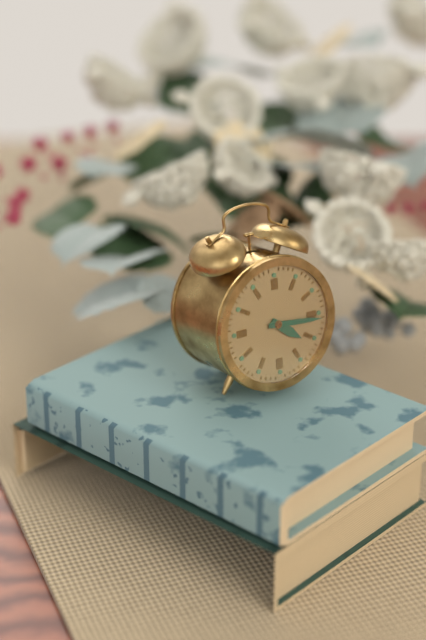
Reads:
4,16
